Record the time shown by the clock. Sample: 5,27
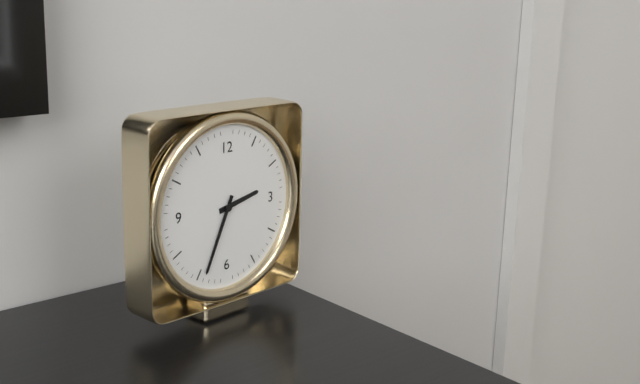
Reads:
2,34
